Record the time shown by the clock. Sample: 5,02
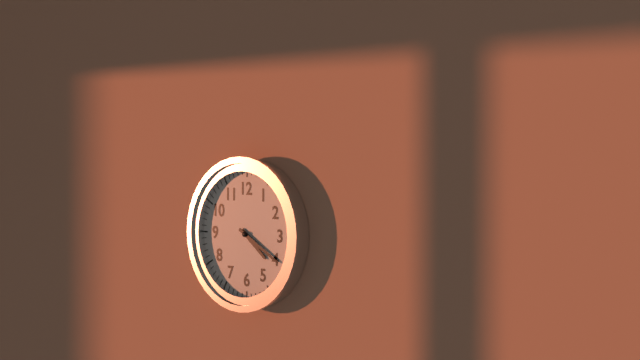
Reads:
4,20
